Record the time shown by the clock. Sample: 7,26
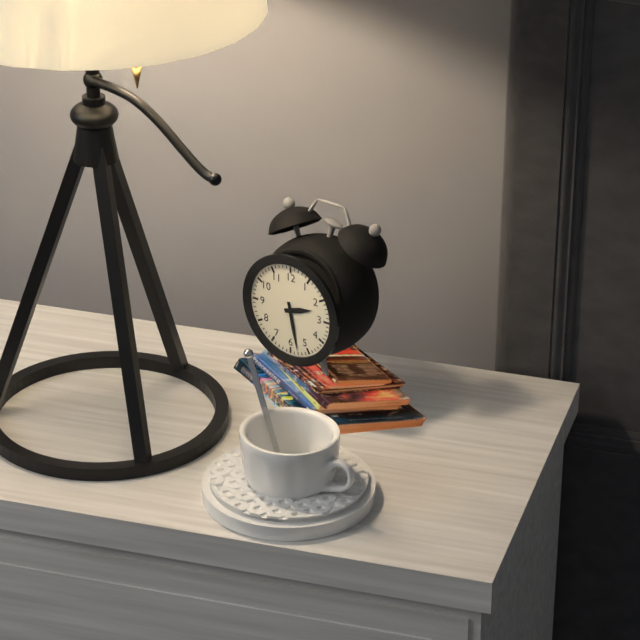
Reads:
2,28
